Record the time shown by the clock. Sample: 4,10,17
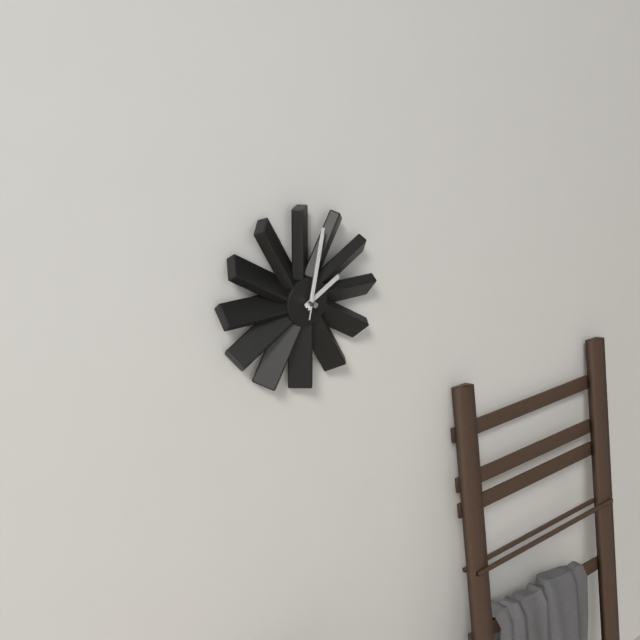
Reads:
2,02,02
